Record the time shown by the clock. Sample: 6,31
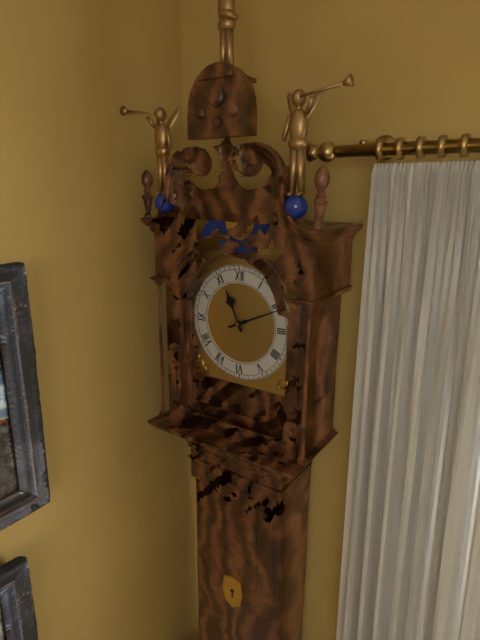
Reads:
11,11
